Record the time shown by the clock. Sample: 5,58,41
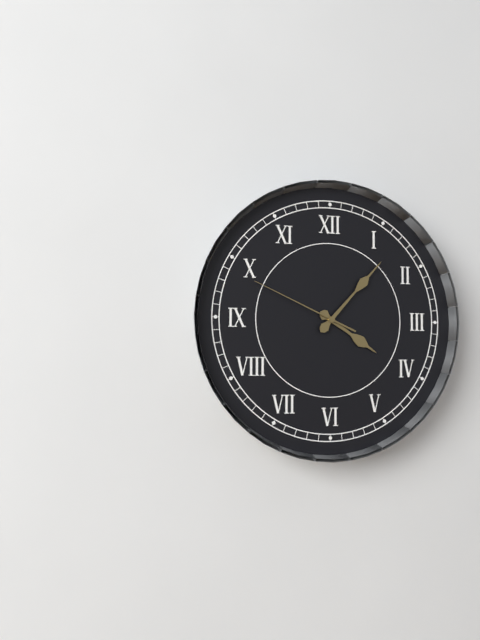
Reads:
4,07,49
